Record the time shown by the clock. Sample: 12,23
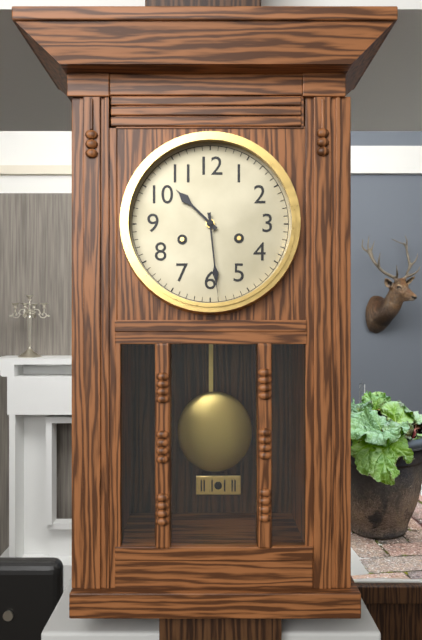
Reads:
10,29
